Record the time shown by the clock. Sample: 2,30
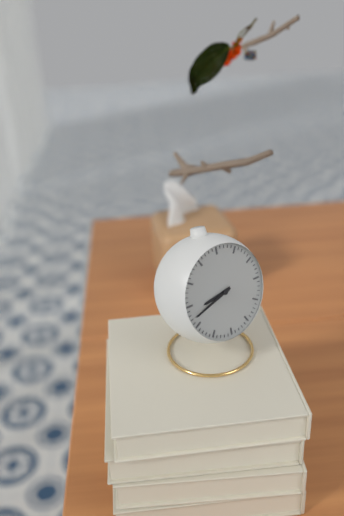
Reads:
8,42
